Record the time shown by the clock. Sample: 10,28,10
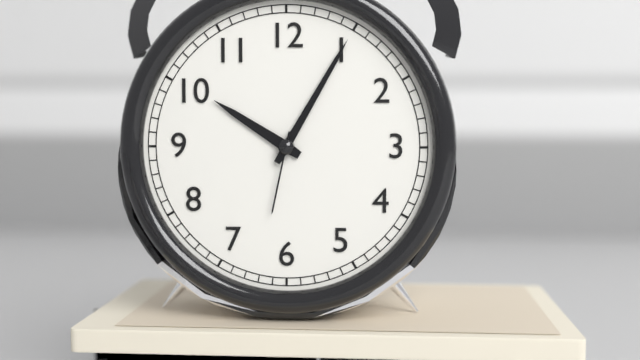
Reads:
10,05,32
